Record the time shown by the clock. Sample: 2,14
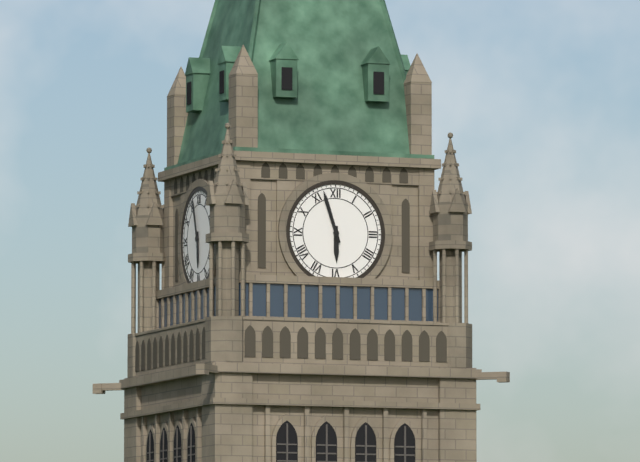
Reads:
5,57
